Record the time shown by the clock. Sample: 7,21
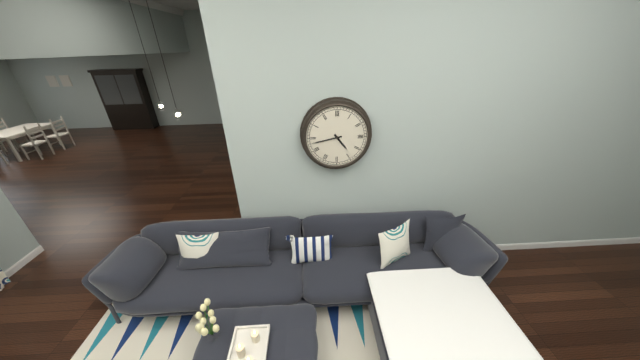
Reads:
4,43
